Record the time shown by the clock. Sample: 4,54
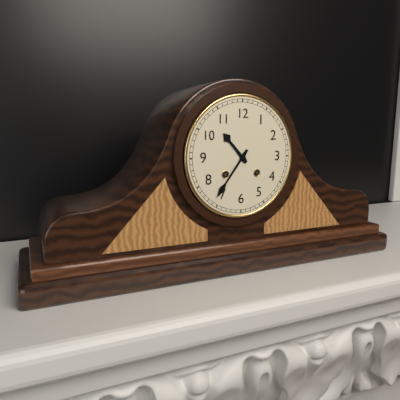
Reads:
10,36
